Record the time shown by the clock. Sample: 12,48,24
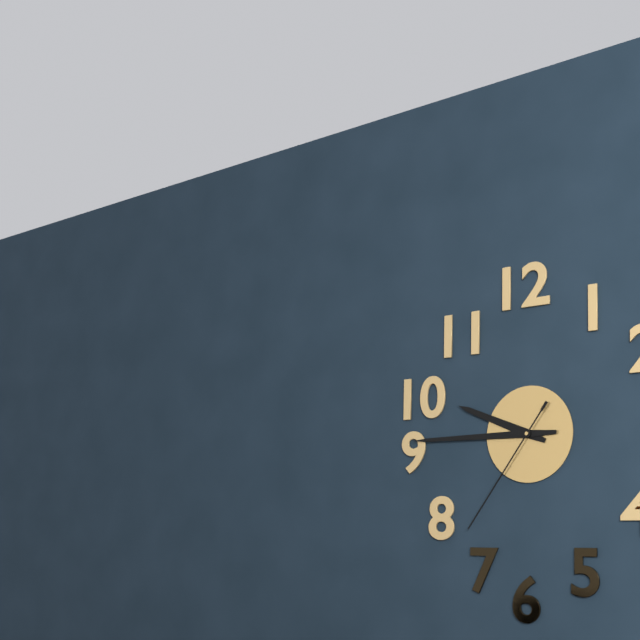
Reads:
9,45,36
